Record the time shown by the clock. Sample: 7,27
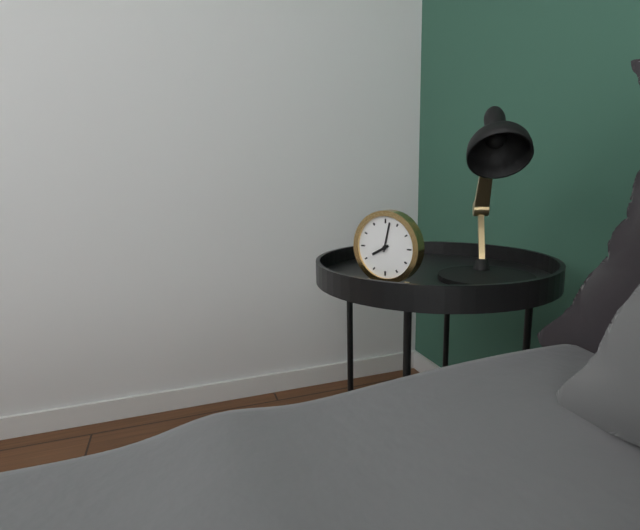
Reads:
8,02
